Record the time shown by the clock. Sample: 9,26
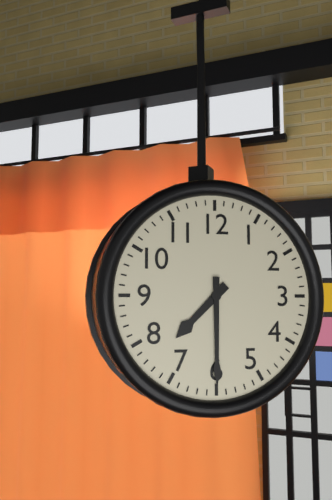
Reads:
7,30
